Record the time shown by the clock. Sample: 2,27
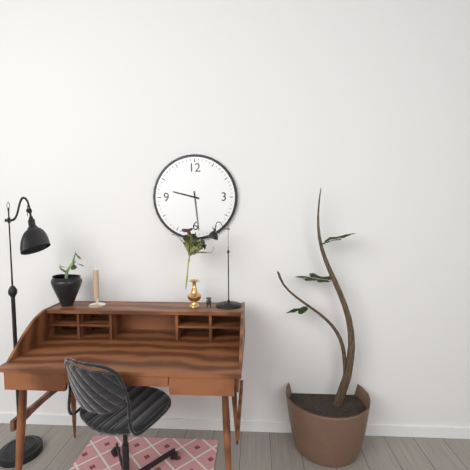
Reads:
9,29
